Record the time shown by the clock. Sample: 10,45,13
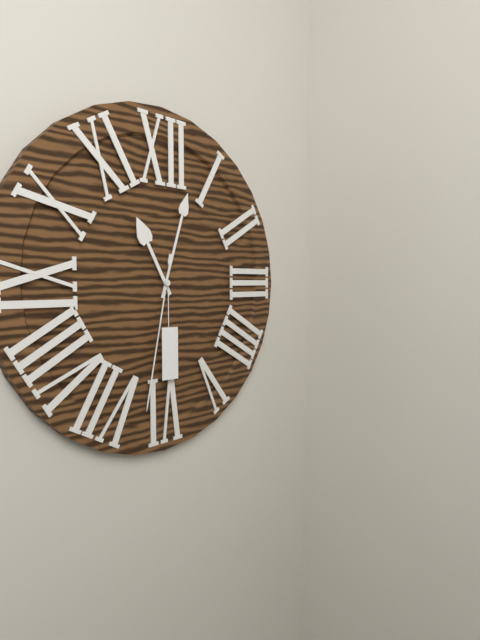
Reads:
11,03,32
